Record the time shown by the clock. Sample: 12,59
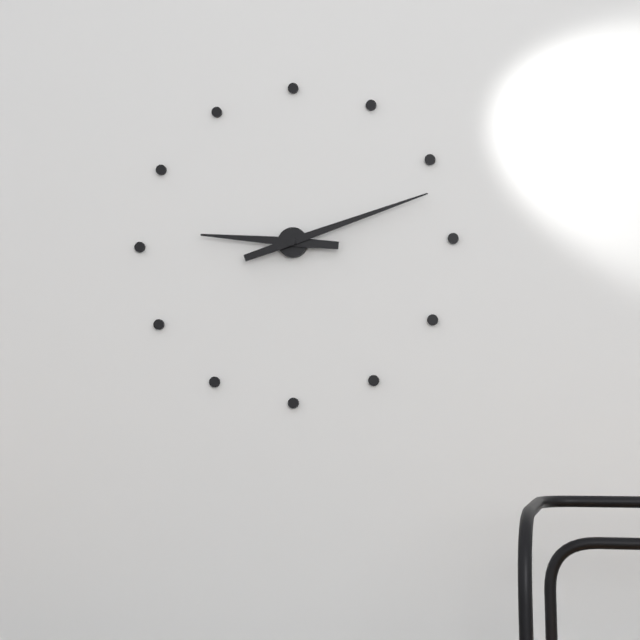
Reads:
9,12
